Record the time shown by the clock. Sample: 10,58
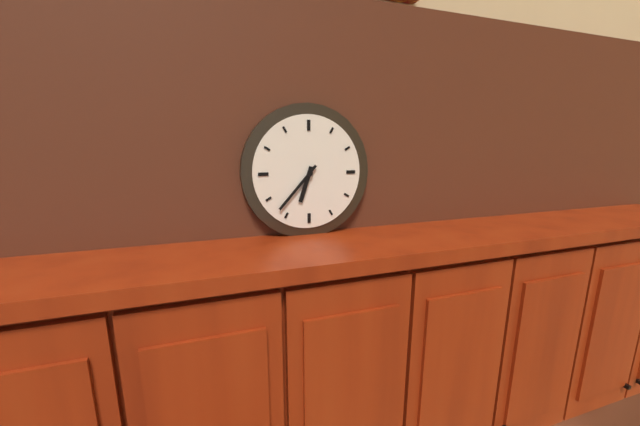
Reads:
6,37
